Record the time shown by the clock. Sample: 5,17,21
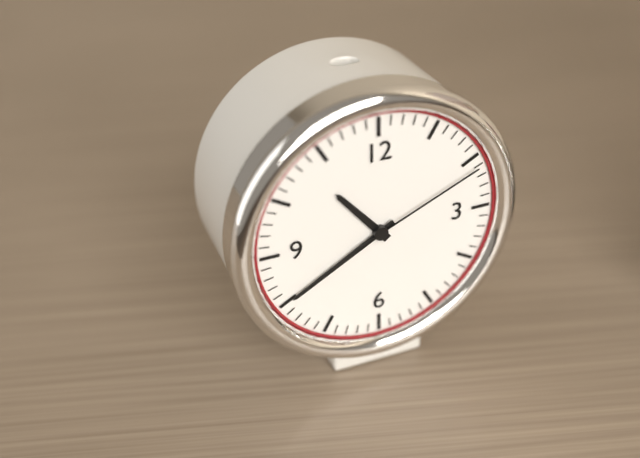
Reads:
10,40,11
